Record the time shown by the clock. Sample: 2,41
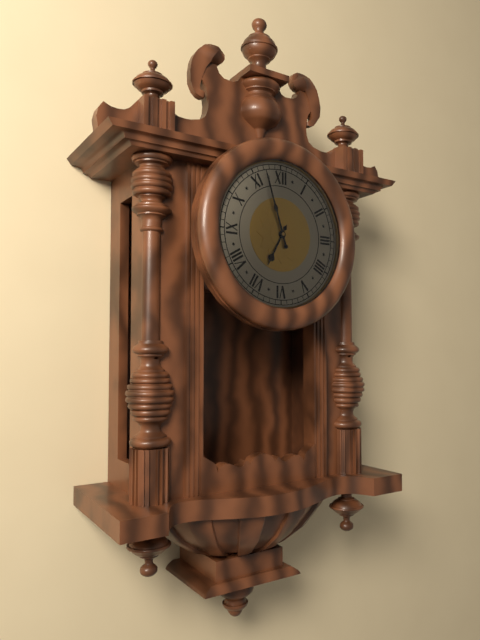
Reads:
6,57
